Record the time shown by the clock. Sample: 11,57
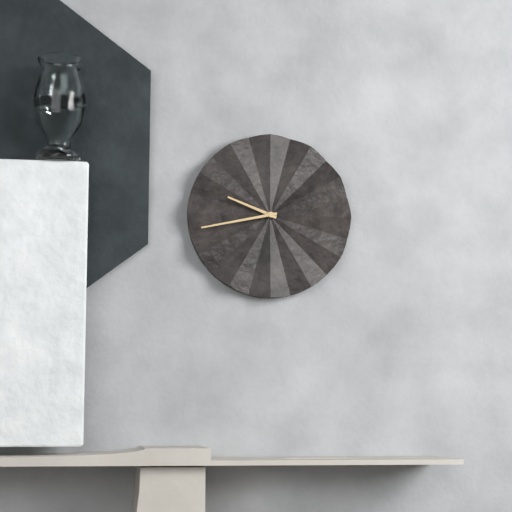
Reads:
9,43
